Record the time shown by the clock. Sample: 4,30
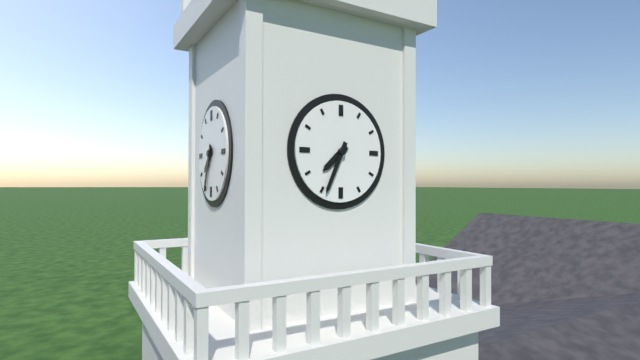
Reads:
7,34
